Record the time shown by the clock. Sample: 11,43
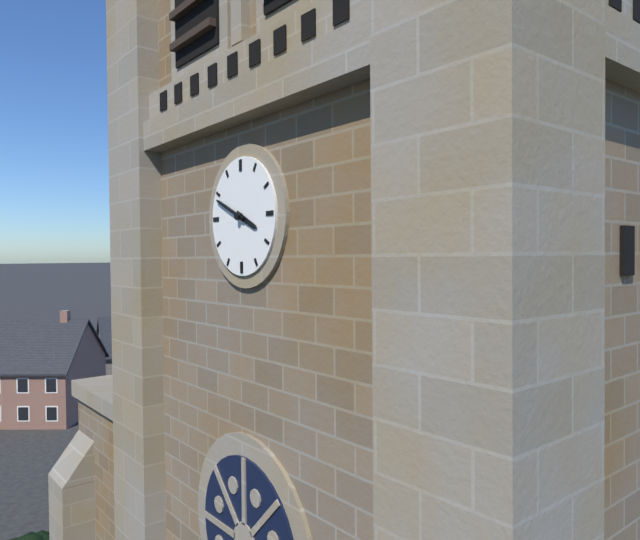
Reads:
3,49
